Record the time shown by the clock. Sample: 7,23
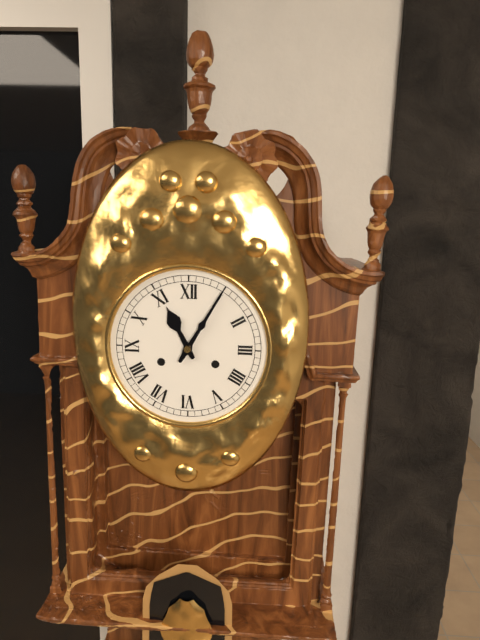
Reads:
11,05
